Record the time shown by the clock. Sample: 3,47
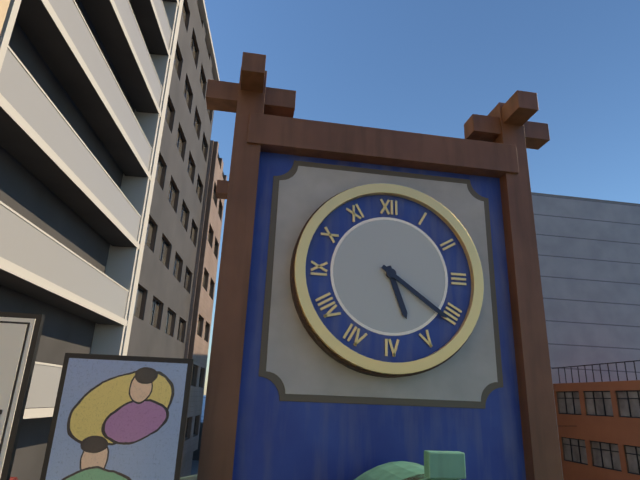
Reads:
5,21
